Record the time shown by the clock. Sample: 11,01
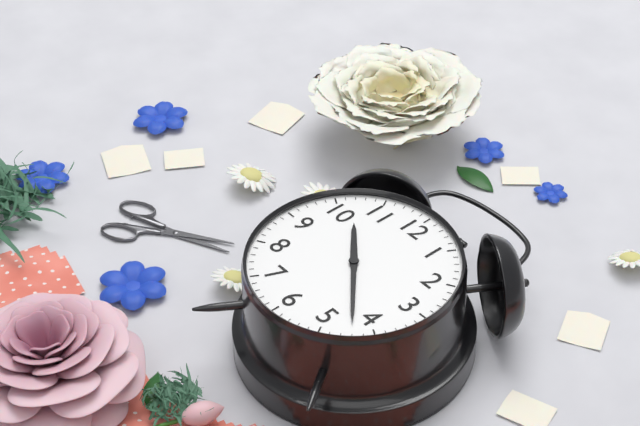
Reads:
10,22
